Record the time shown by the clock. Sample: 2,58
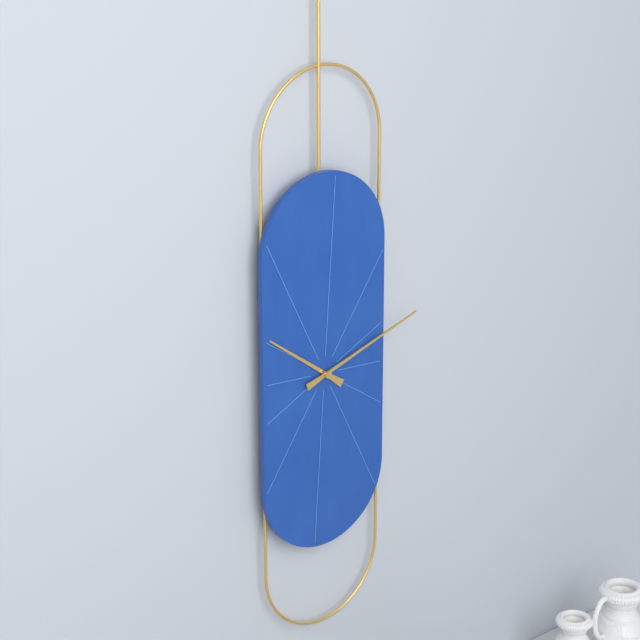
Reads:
10,12
